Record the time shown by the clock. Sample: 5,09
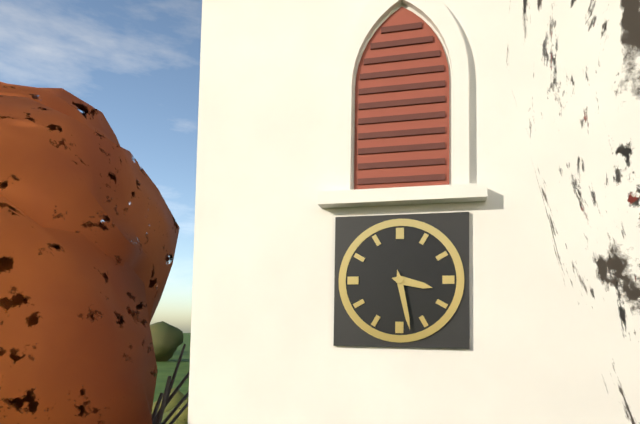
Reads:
3,28
